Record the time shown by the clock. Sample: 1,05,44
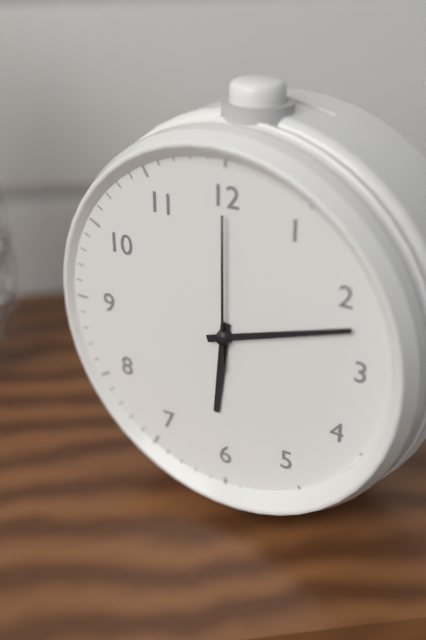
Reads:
6,12,00
